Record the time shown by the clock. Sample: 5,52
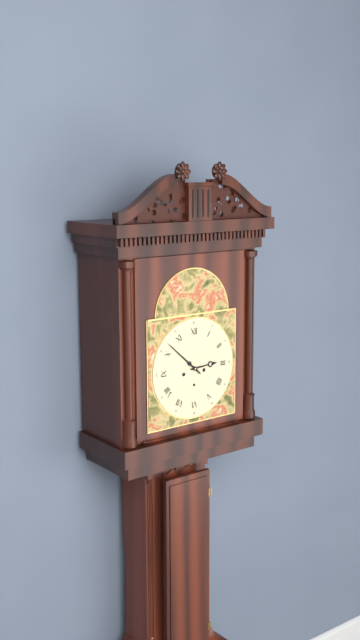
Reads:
2,52
